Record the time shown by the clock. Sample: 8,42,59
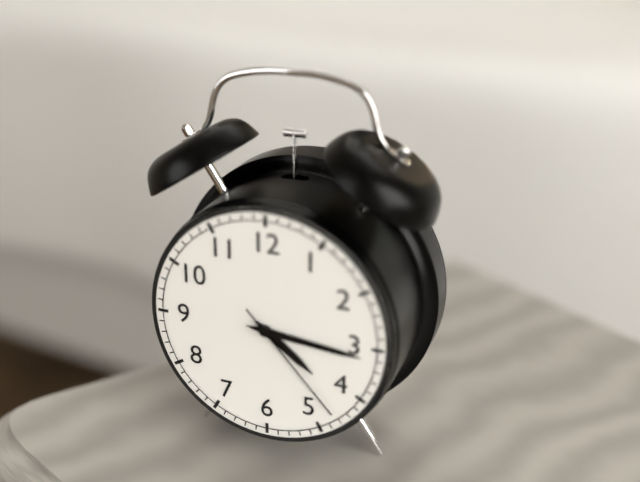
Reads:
4,16,23
